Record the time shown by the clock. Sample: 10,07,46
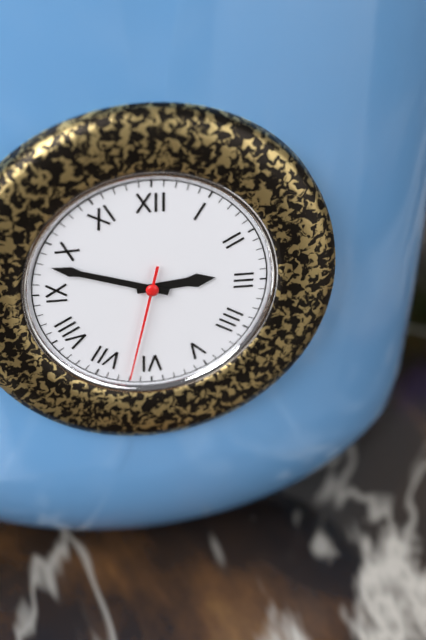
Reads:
2,48,32
